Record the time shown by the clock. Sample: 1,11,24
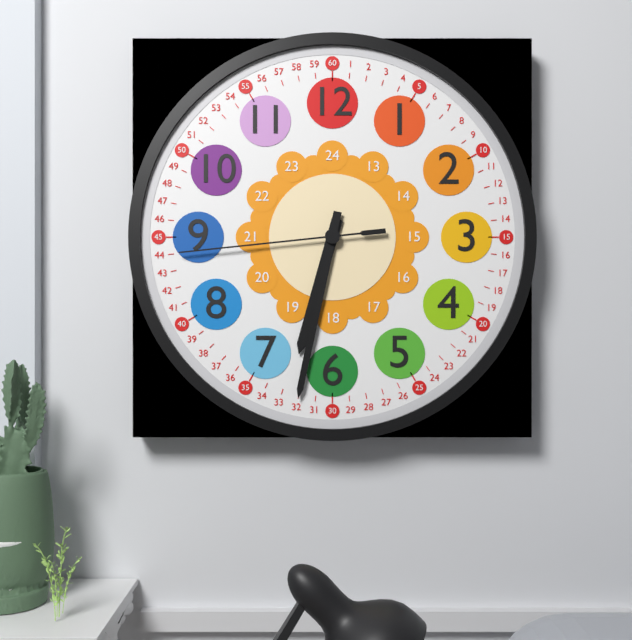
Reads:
6,32,44
